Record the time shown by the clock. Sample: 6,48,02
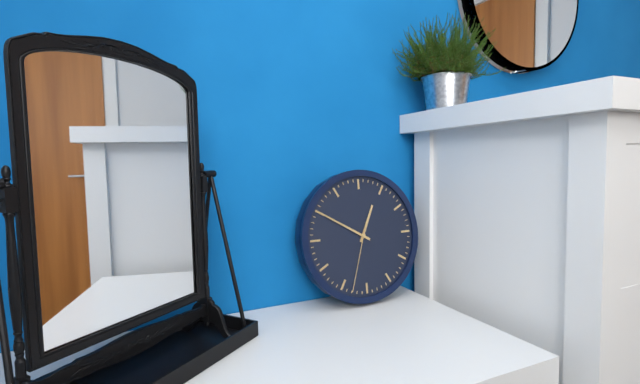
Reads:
12,50,33
